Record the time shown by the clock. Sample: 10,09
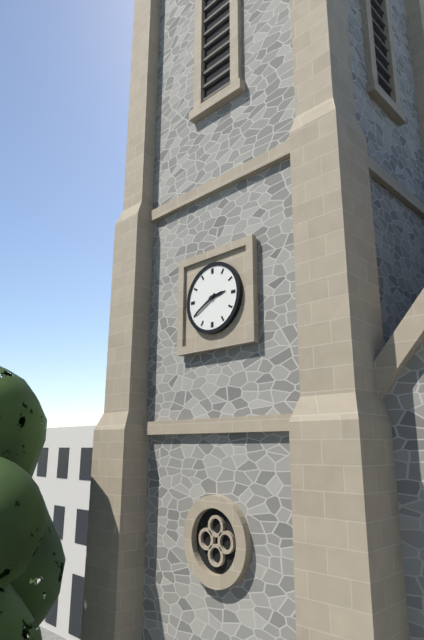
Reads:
2,40
